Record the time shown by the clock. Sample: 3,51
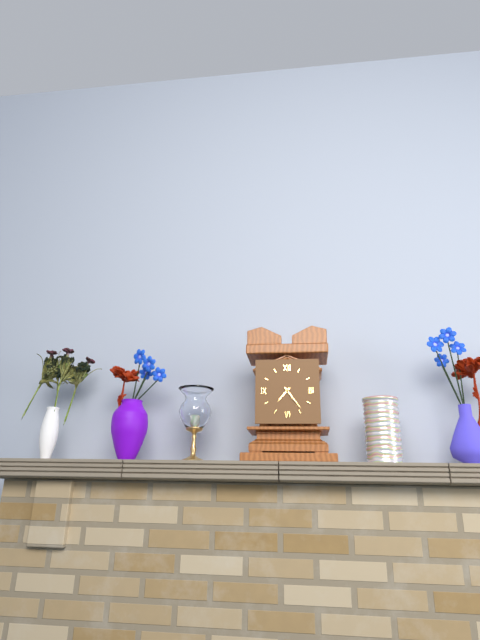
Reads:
7,24
